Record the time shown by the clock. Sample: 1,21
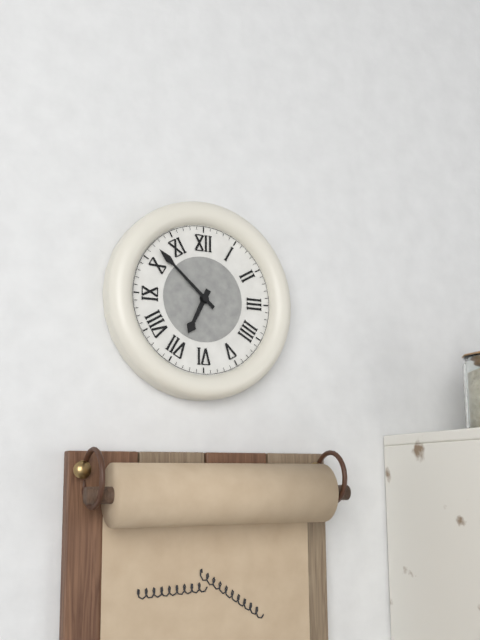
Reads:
6,52
